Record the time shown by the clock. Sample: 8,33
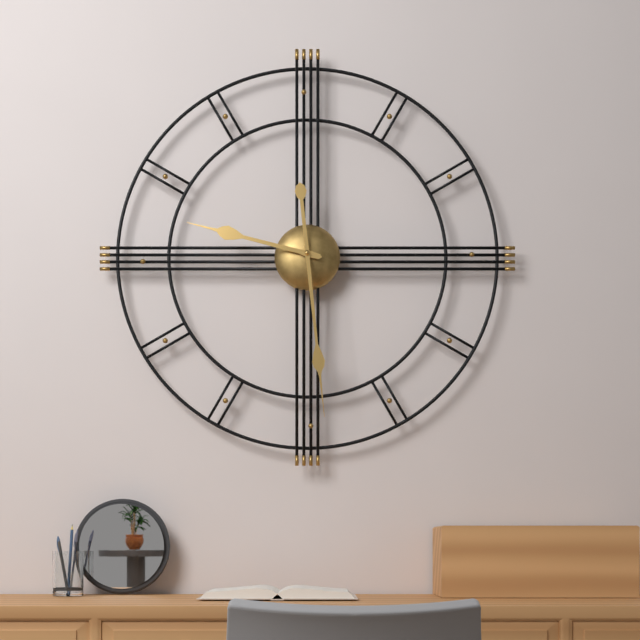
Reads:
9,29
